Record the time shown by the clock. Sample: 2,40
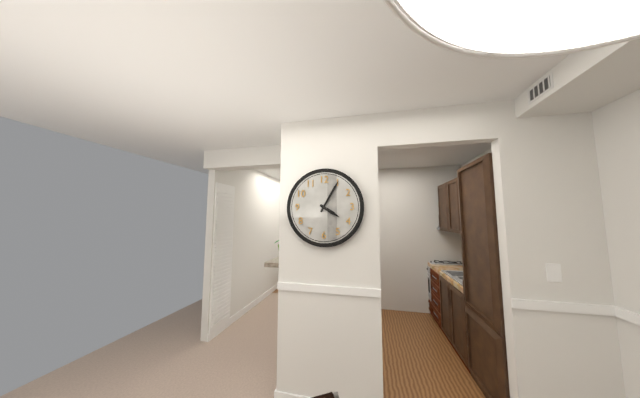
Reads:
4,05
